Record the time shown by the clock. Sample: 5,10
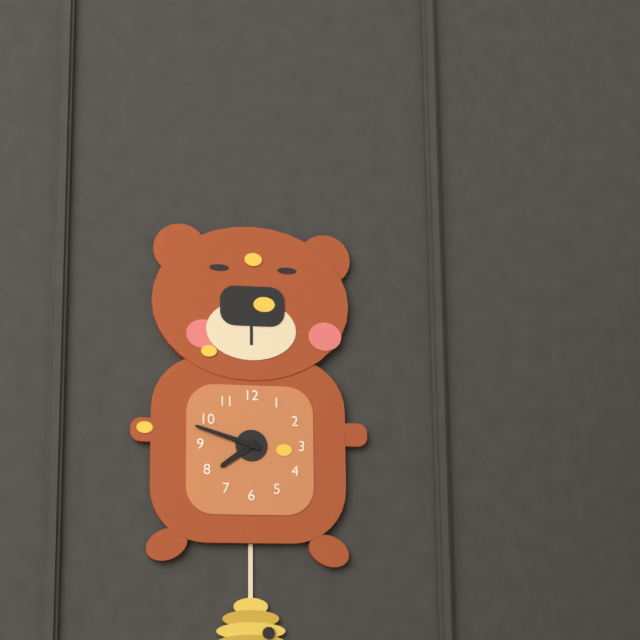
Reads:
7,48
